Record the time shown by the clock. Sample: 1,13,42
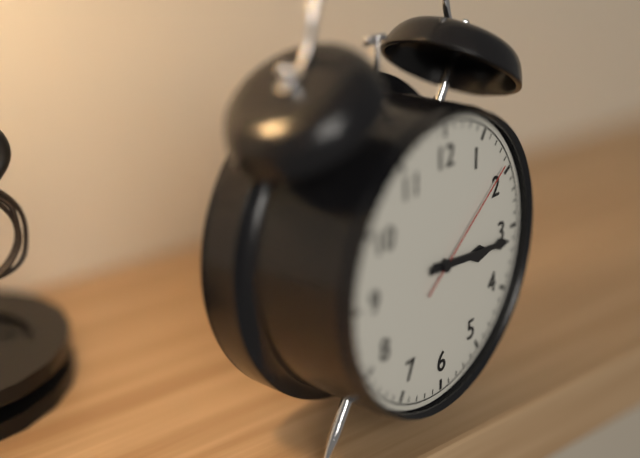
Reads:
3,16,09
